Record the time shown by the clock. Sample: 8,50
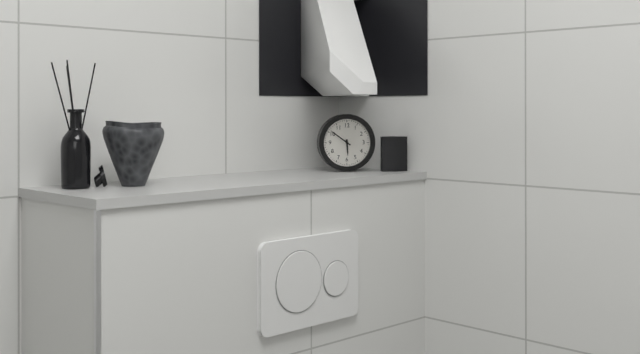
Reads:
5,51
